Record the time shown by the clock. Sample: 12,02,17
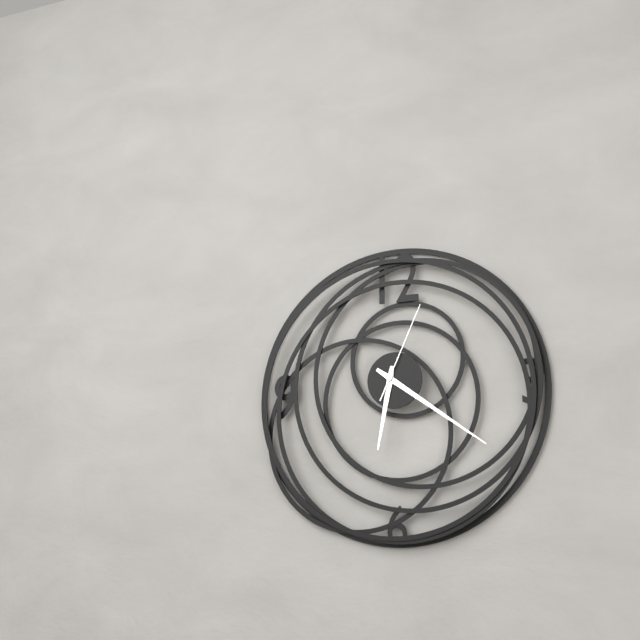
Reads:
6,21,04
